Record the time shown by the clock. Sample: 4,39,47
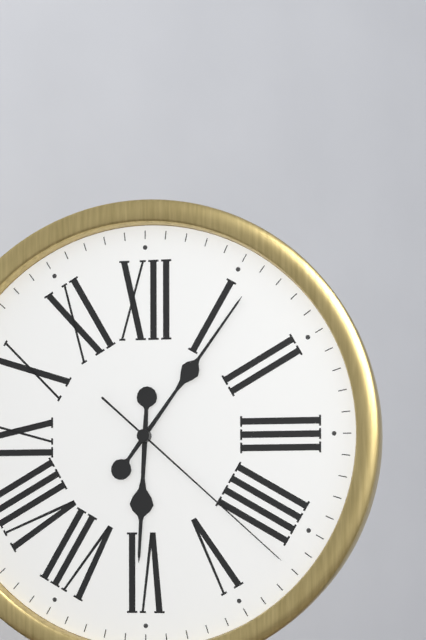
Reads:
6,06,22
